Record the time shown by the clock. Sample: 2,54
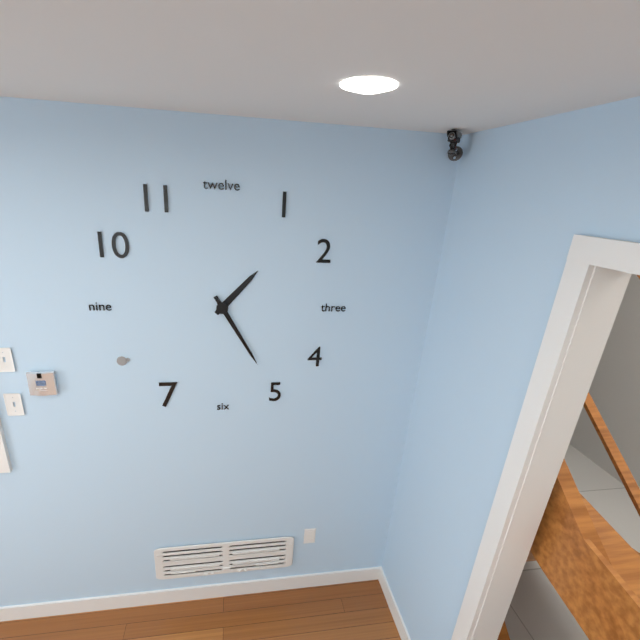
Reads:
1,25
